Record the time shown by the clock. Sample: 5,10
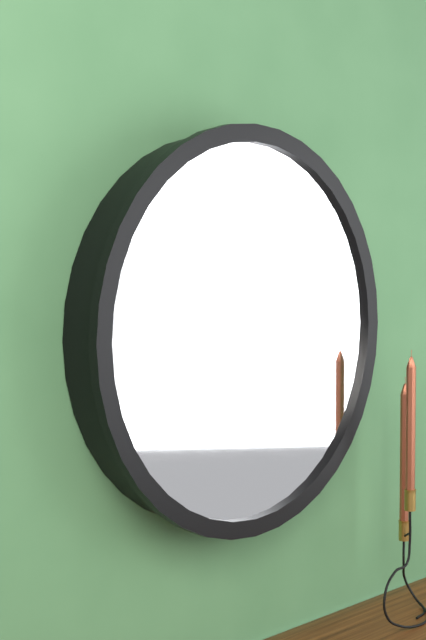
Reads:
7,31
